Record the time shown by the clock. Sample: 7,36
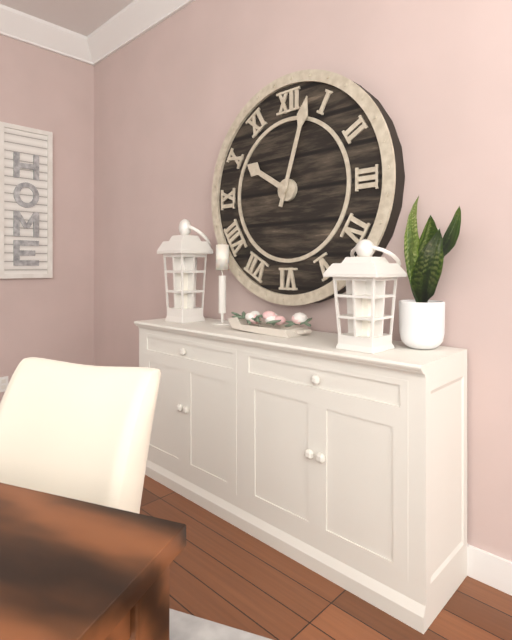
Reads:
10,03
